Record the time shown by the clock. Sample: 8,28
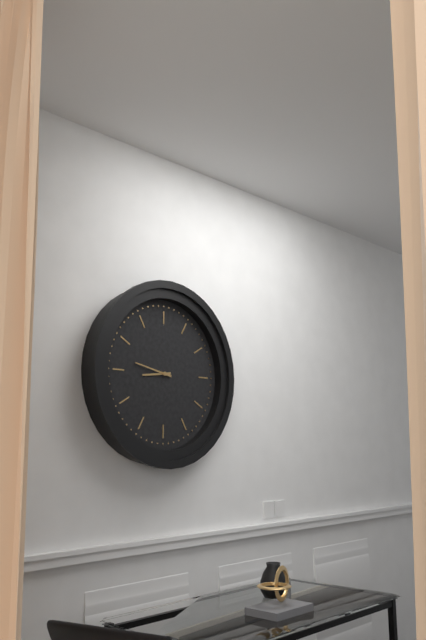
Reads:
8,47
